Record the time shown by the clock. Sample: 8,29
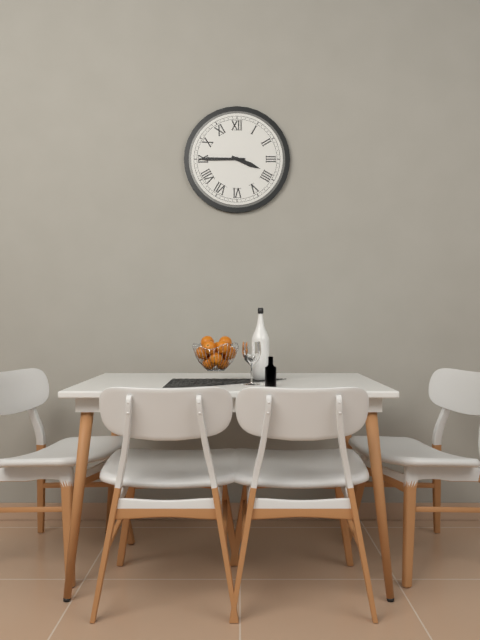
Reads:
3,45
